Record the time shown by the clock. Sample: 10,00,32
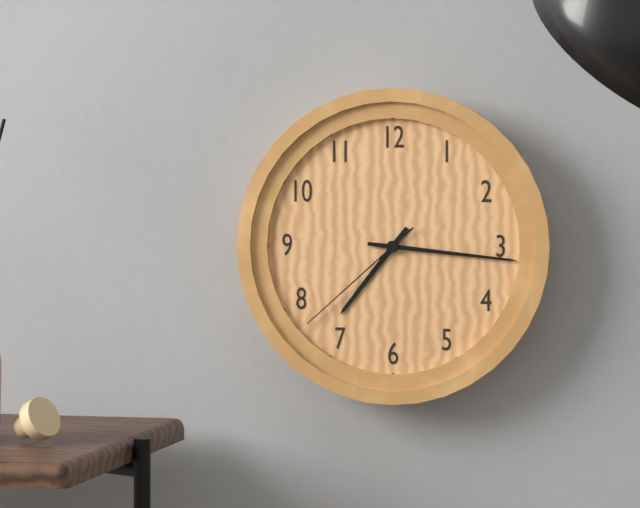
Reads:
7,16,38
